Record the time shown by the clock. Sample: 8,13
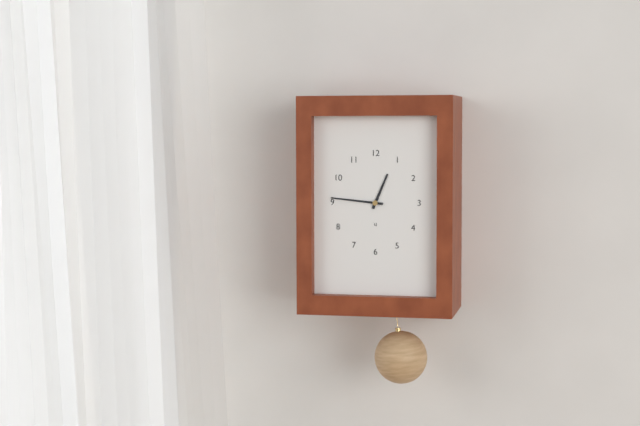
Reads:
12,46
